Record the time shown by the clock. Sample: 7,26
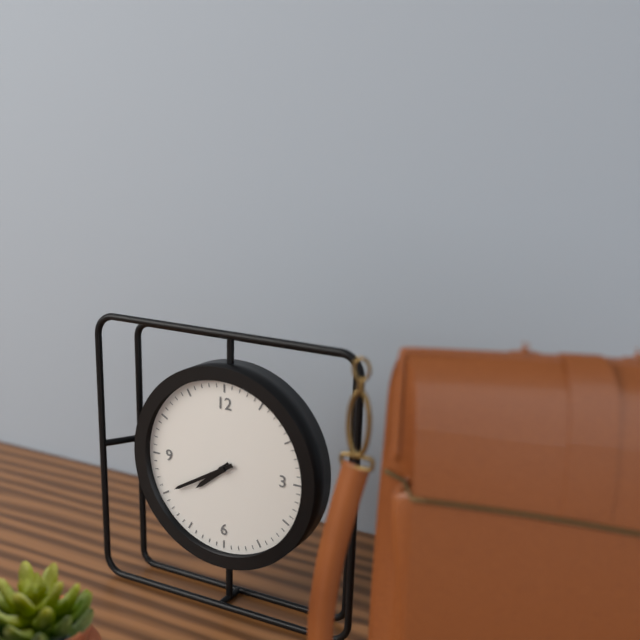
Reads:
7,40
